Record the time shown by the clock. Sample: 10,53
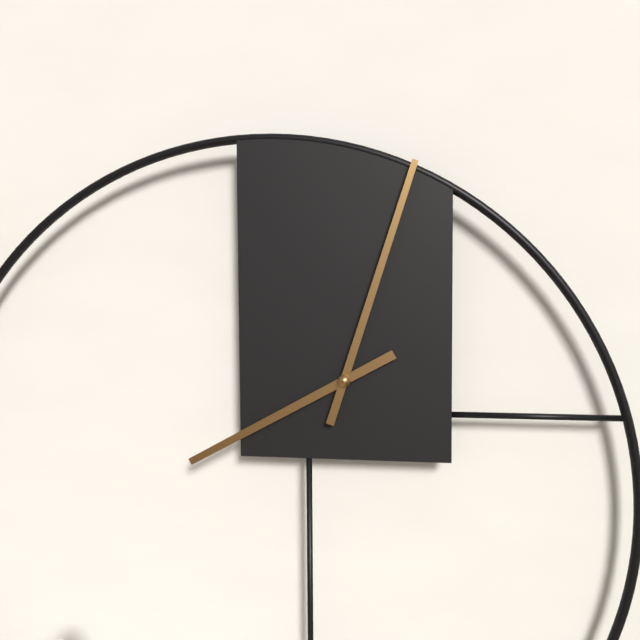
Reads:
8,03
